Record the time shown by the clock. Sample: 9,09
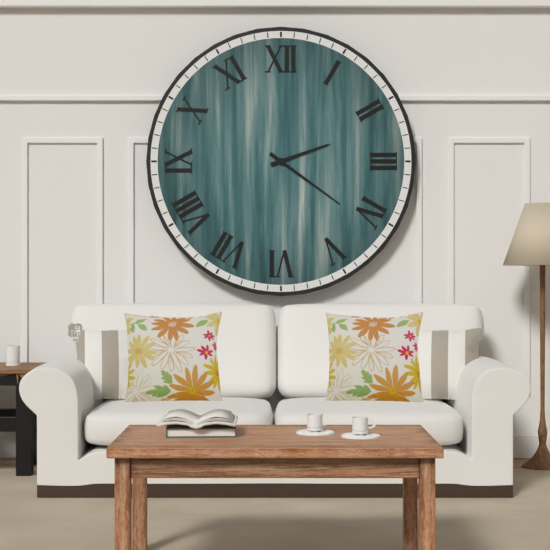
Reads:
2,21
